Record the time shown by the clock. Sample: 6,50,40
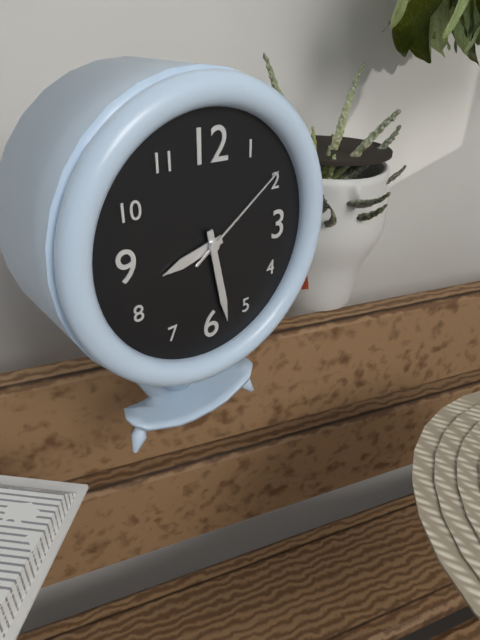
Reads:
8,28,09
